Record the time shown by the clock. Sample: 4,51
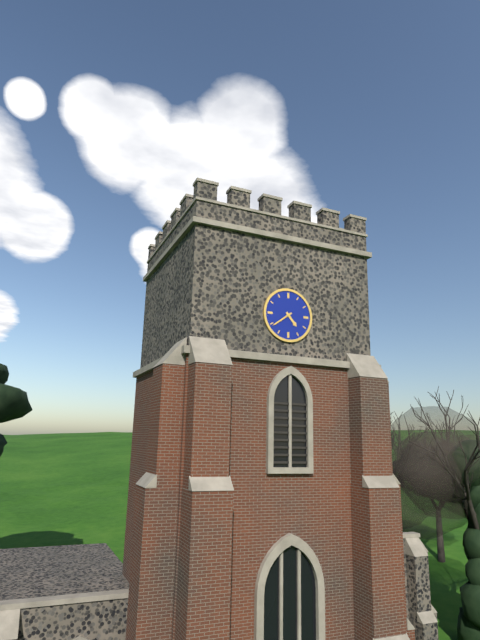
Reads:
4,39
